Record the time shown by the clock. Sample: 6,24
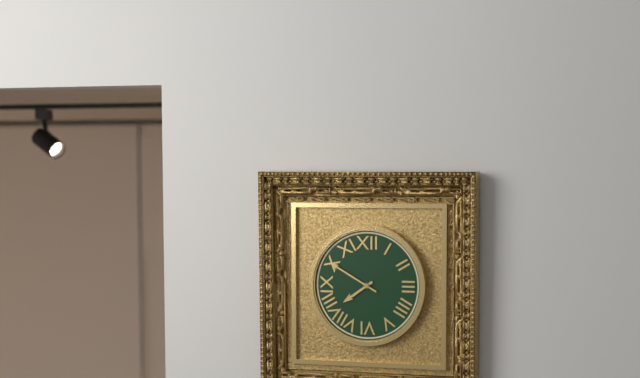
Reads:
7,50
